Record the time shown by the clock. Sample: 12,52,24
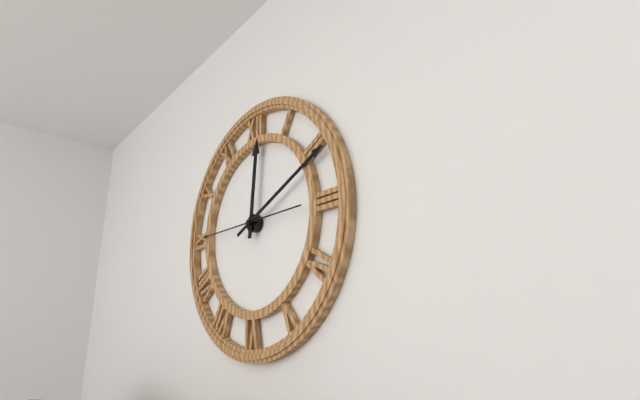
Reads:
12,11,45
